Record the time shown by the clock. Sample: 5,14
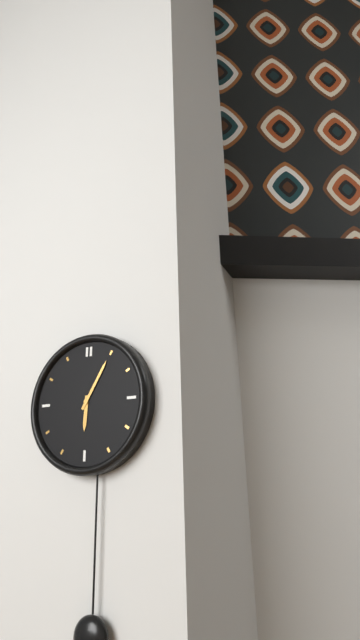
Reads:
6,05
